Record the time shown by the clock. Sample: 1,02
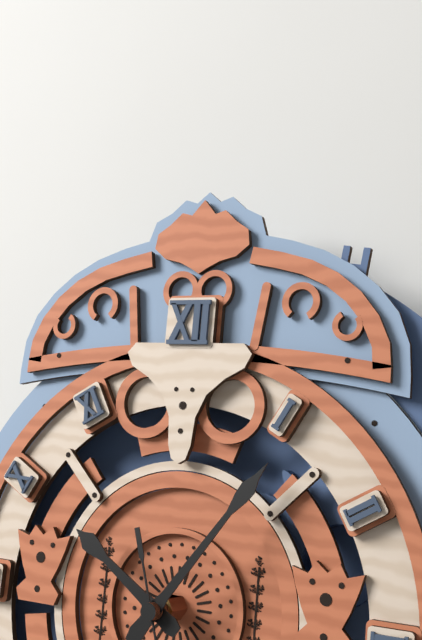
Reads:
10,06
